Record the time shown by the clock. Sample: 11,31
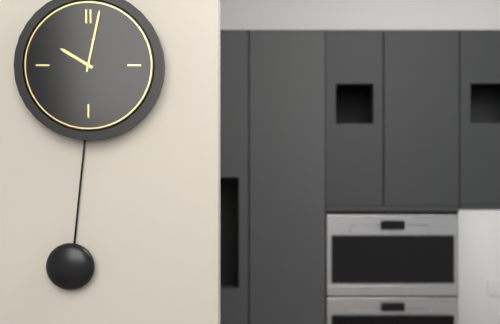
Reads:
10,02
